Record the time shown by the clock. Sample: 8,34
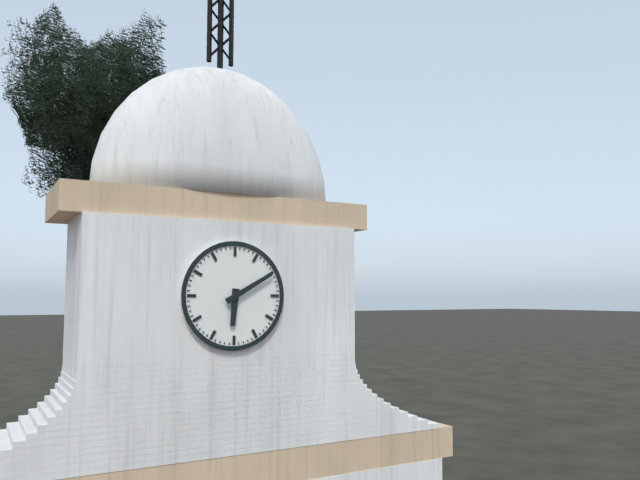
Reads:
6,10
